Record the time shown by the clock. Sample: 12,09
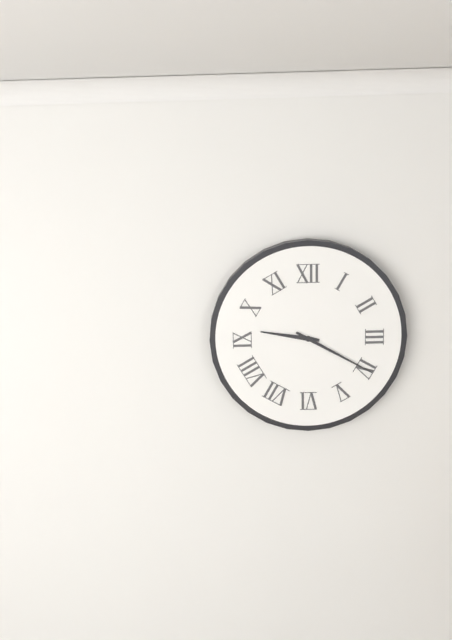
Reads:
9,20
